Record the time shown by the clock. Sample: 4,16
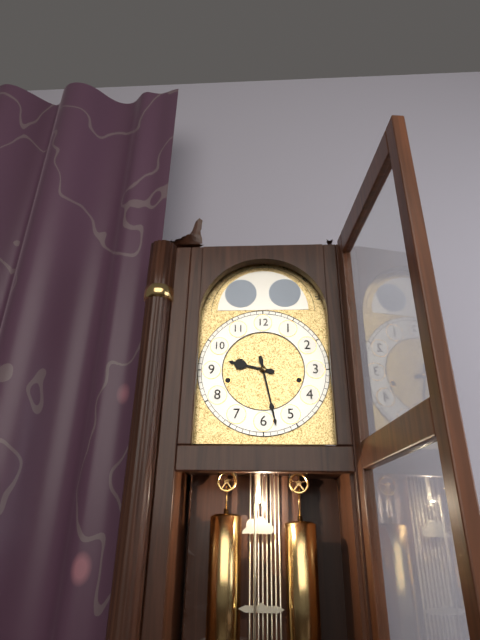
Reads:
9,28
